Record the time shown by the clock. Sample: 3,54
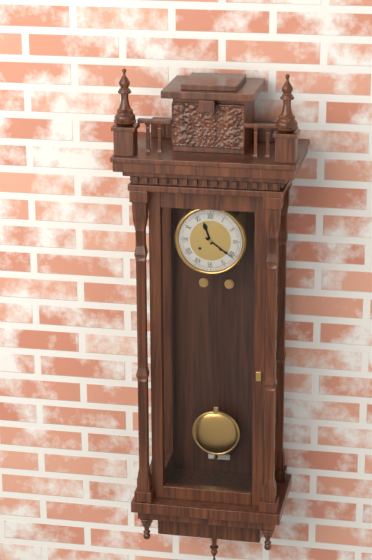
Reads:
11,21
